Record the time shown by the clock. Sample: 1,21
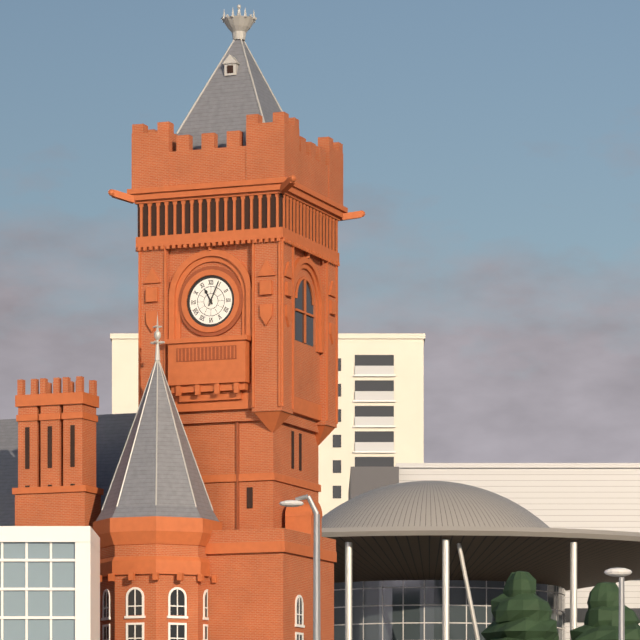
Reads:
11,04
